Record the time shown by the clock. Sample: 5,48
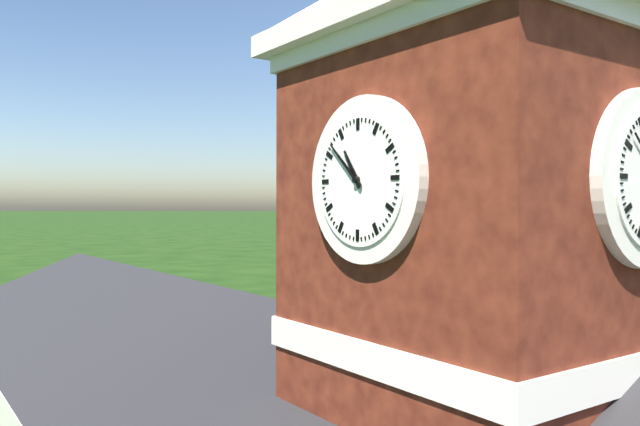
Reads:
10,52
